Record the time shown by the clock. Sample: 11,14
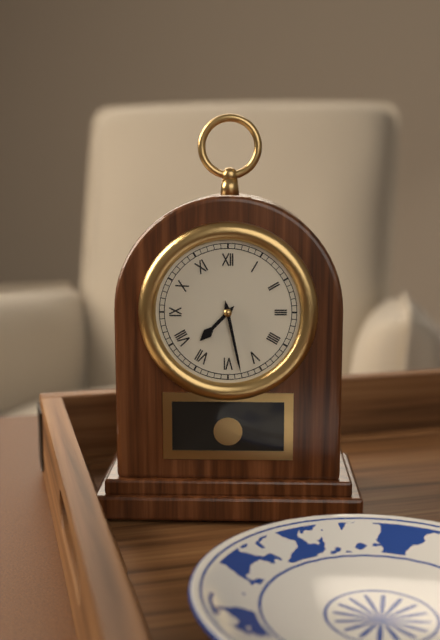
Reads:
7,28
